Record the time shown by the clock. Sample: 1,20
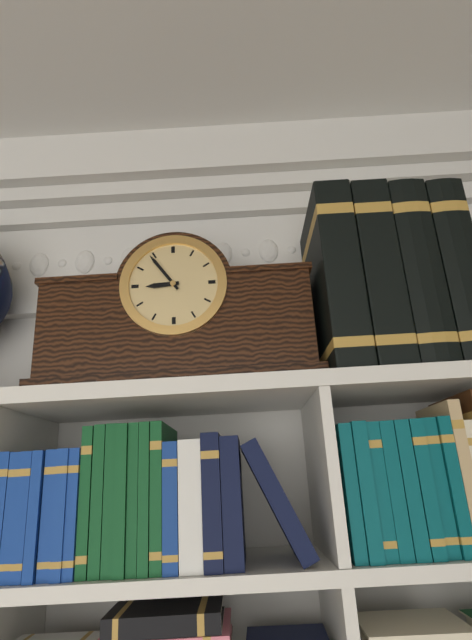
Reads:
8,54
